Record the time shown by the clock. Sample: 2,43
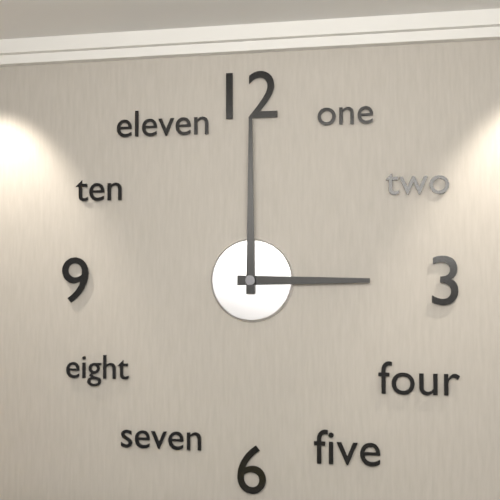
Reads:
3,00
